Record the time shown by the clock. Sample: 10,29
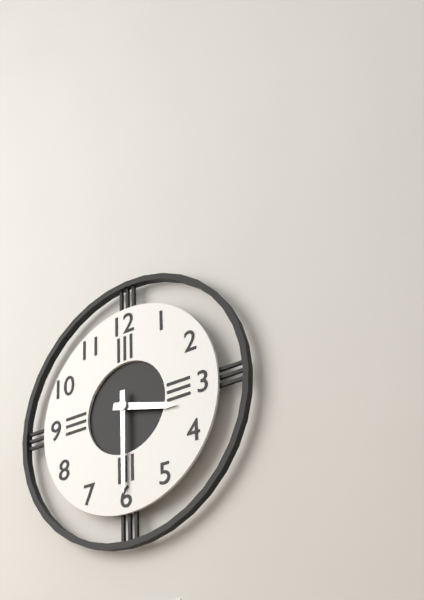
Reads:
3,30
